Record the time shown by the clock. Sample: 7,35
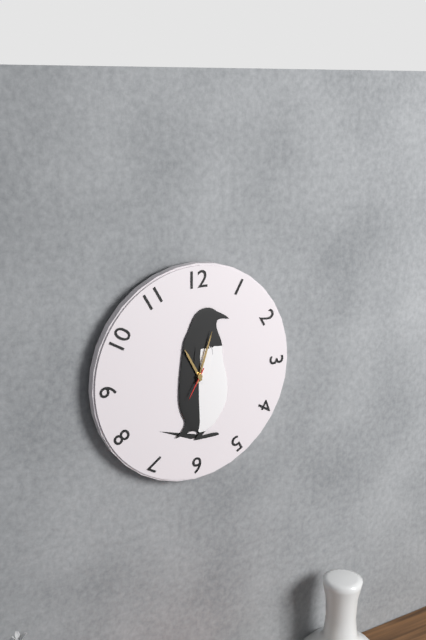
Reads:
11,03
